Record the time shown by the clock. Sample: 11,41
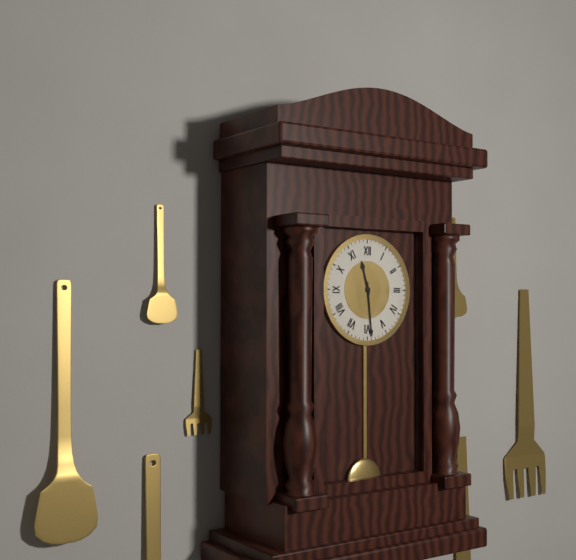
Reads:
11,29
